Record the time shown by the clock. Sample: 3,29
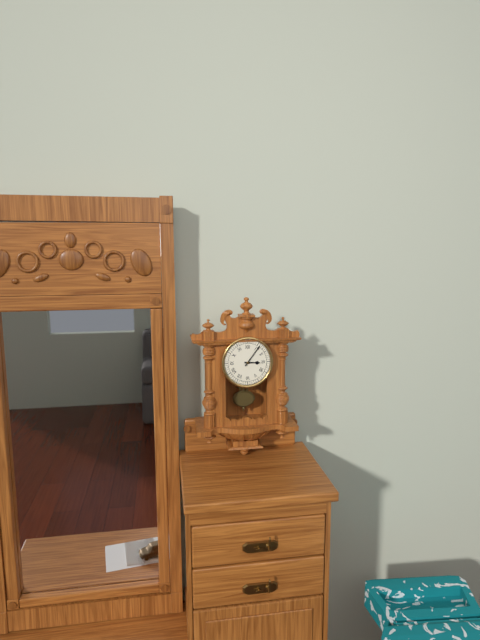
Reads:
3,06
